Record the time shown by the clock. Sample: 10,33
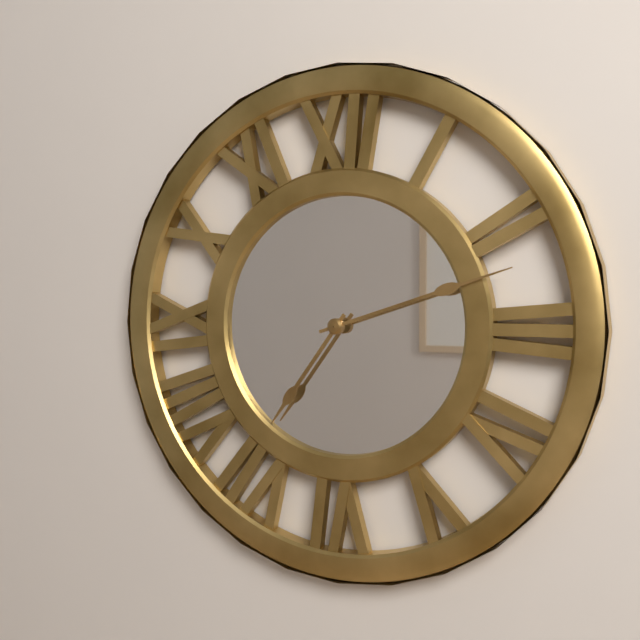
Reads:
7,12
